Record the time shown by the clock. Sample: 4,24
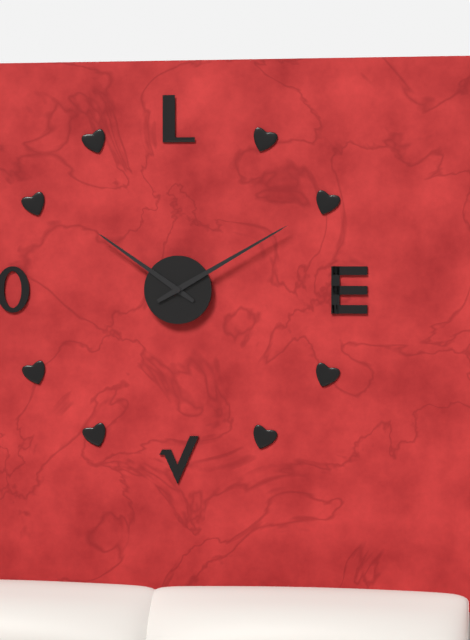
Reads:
10,10
